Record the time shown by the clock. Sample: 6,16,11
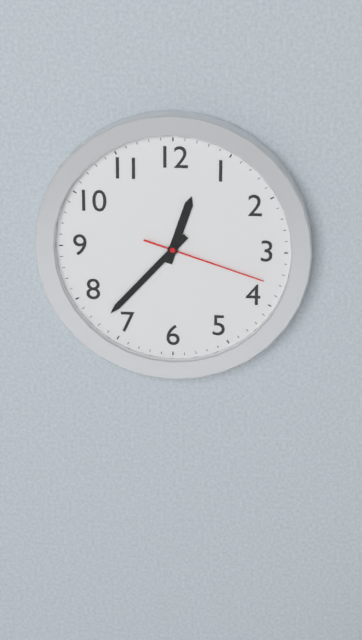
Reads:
12,37,18
